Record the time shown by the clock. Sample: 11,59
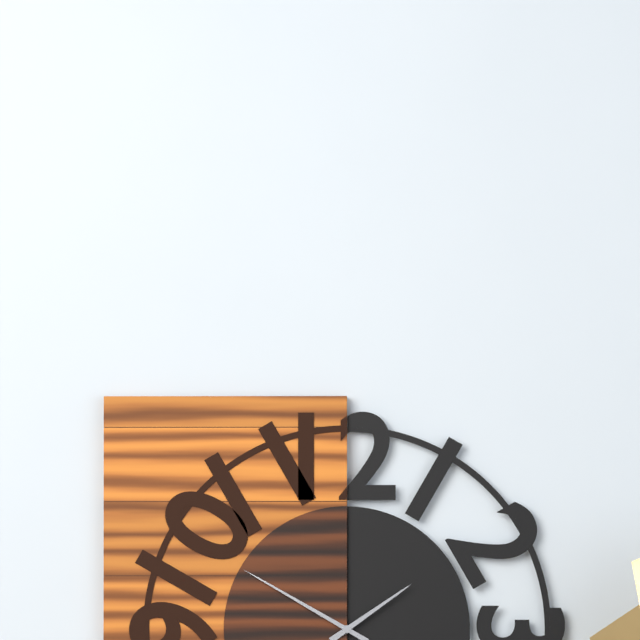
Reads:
1,50
